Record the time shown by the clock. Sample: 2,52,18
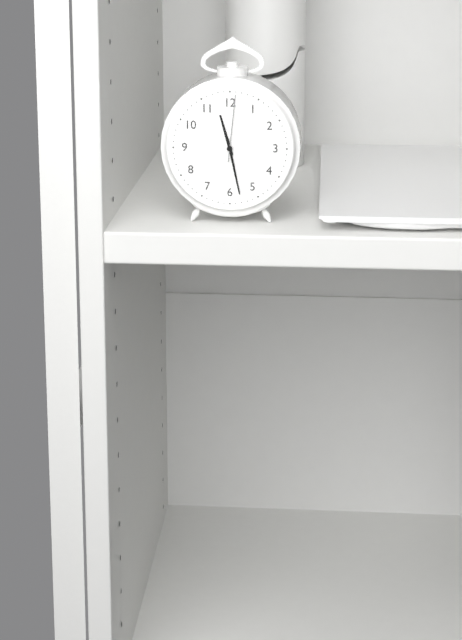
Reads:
11,28,01
